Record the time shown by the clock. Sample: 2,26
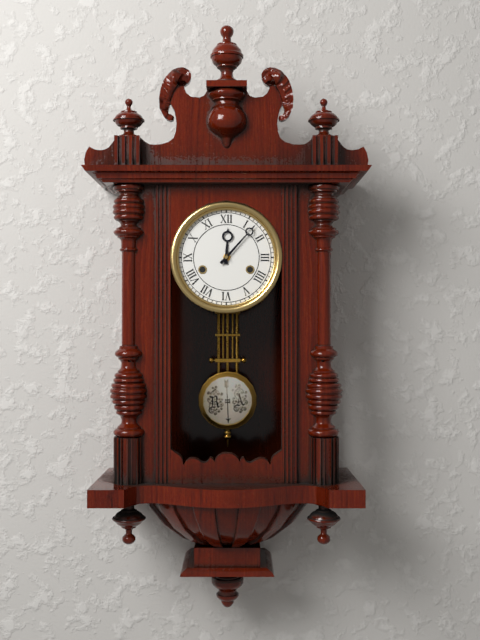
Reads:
12,07
